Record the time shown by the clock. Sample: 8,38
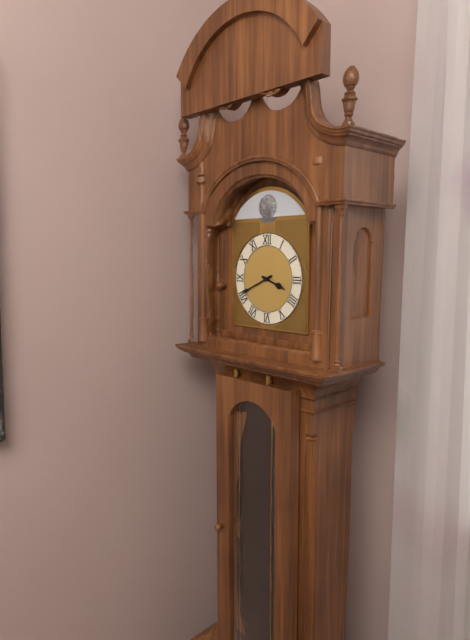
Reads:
3,41
